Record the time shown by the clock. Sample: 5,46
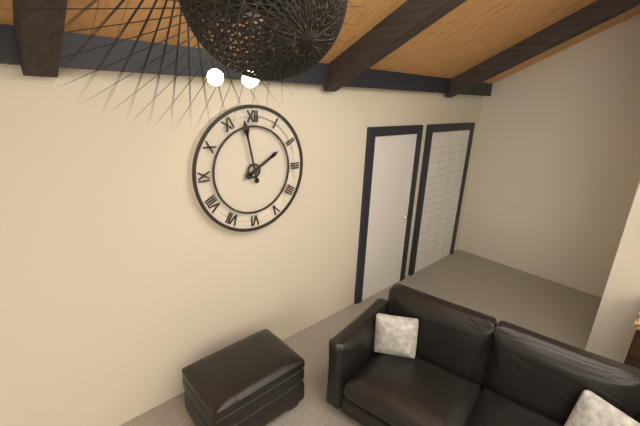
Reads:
1,58
